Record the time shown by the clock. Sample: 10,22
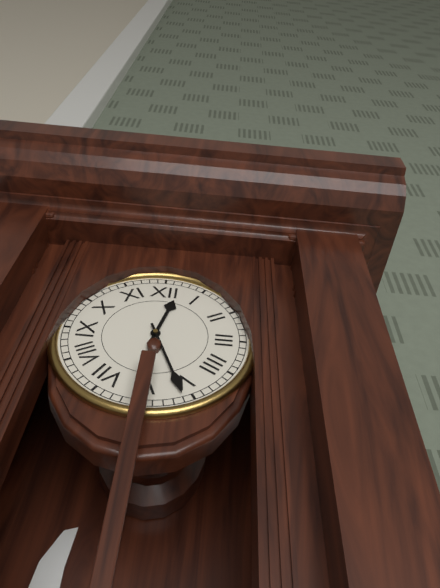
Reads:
12,26
